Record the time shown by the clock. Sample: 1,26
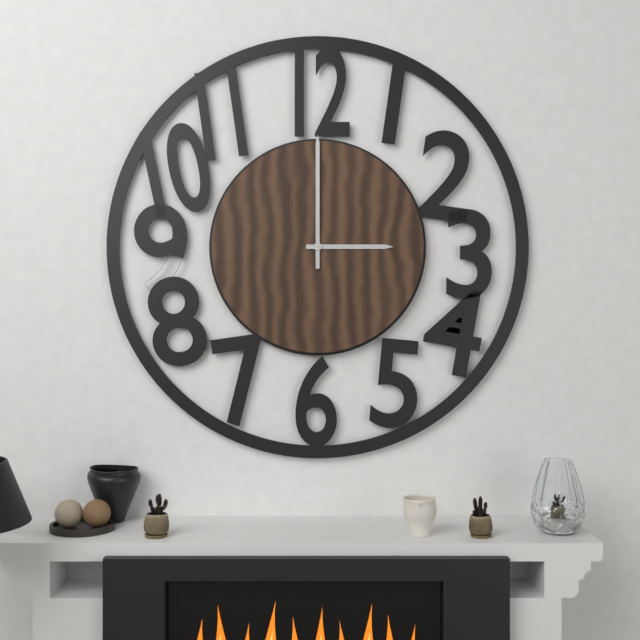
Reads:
3,00
